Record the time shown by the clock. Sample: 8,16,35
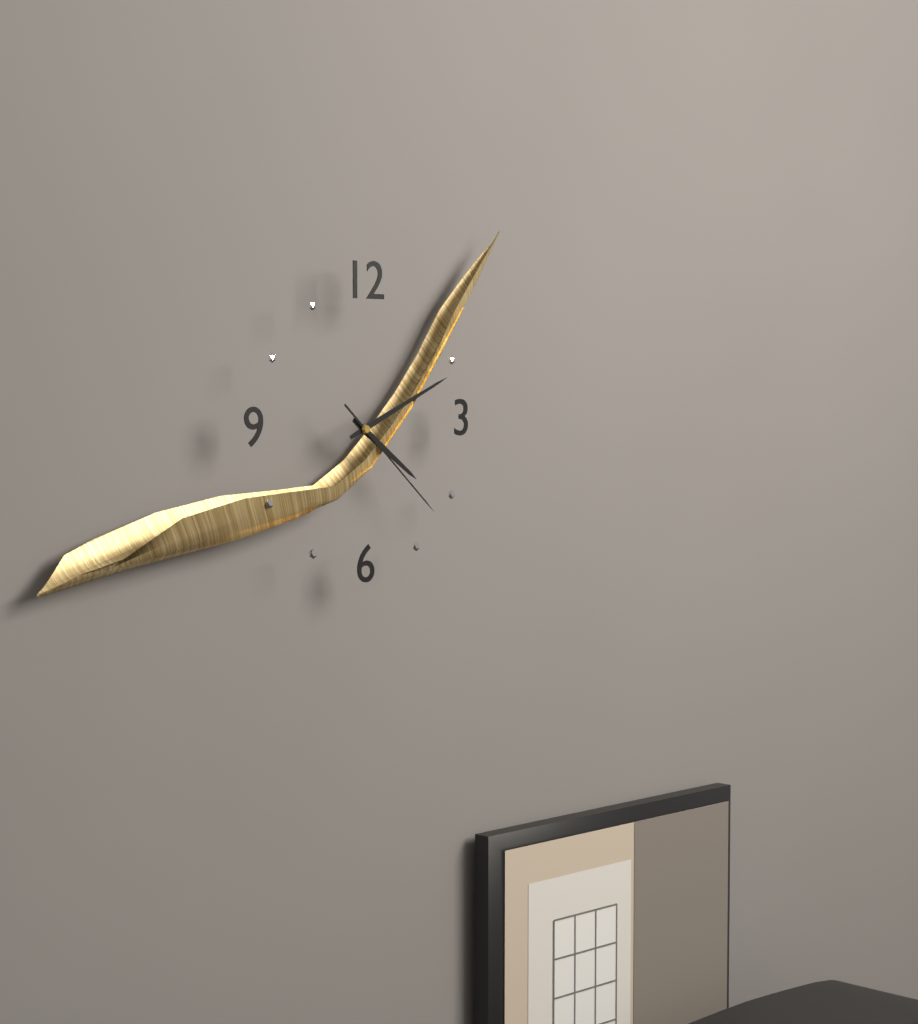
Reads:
4,11,22
